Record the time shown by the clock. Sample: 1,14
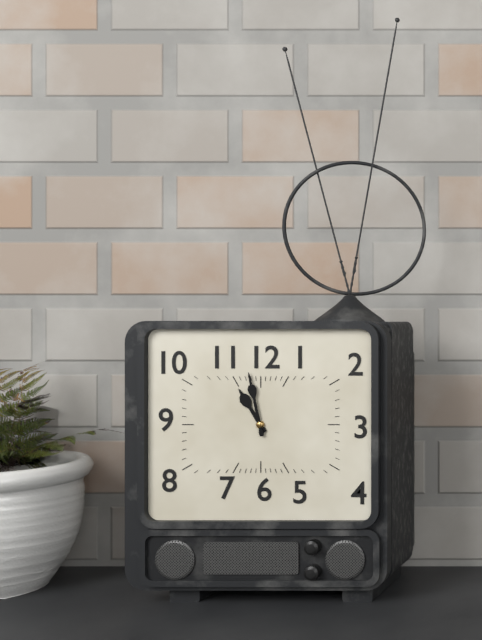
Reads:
10,58
